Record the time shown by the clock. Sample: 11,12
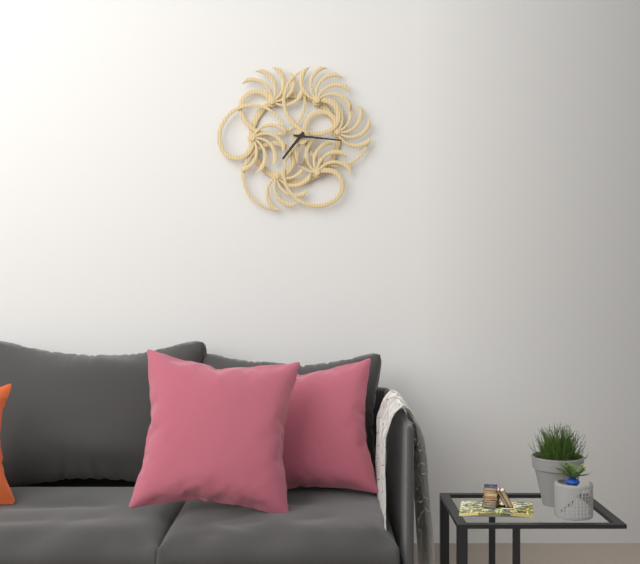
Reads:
7,16
